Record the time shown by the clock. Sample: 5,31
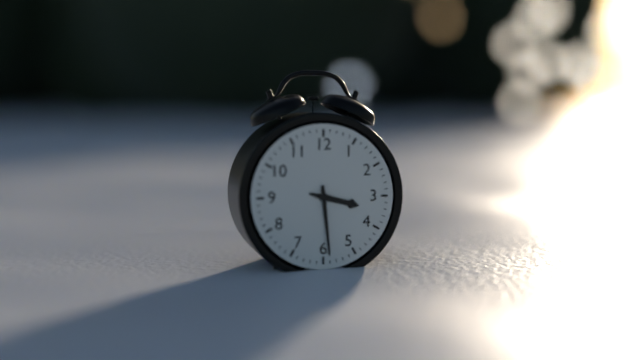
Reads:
3,29
